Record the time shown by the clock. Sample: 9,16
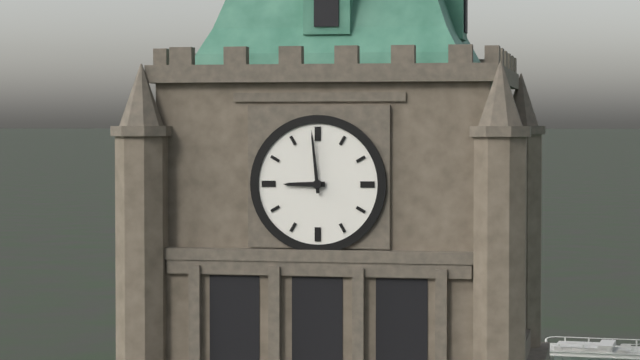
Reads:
8,59
